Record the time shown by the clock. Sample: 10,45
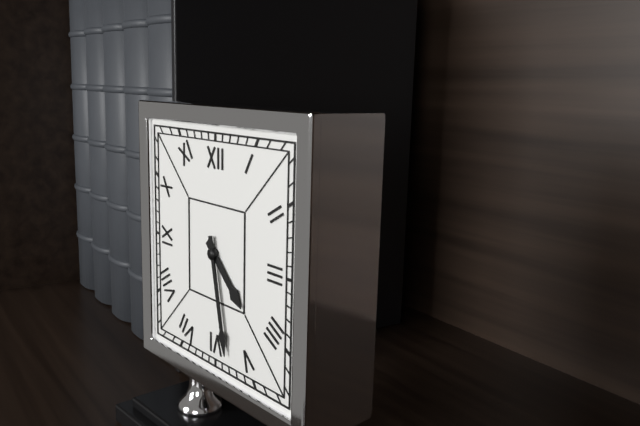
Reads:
4,28
